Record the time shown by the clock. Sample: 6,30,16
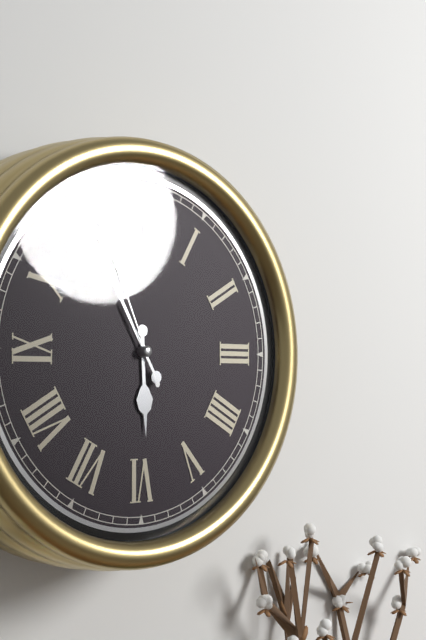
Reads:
5,55,56
